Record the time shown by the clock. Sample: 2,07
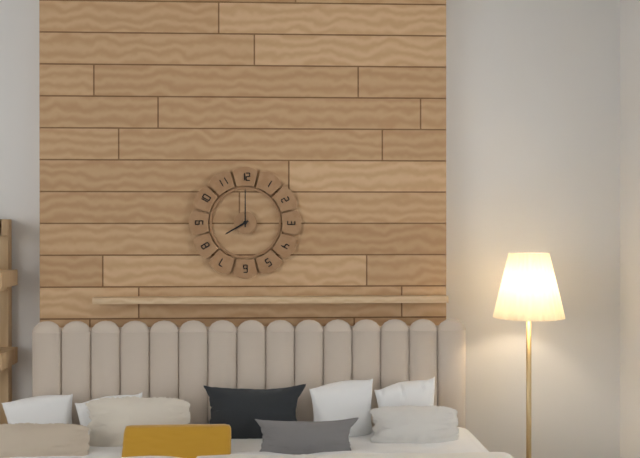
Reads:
8,00
